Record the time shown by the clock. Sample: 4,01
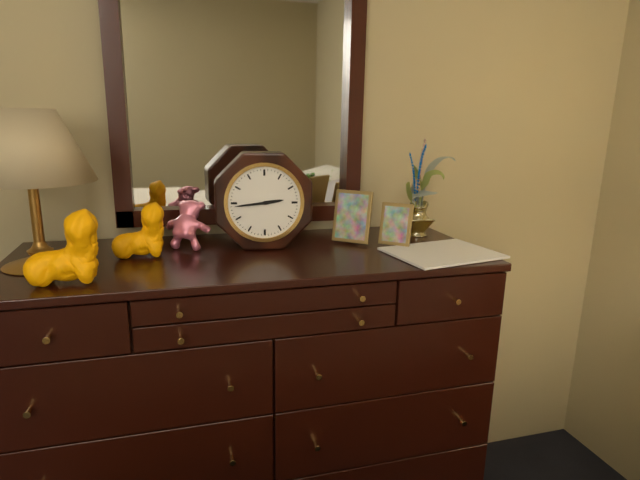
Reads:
2,44
